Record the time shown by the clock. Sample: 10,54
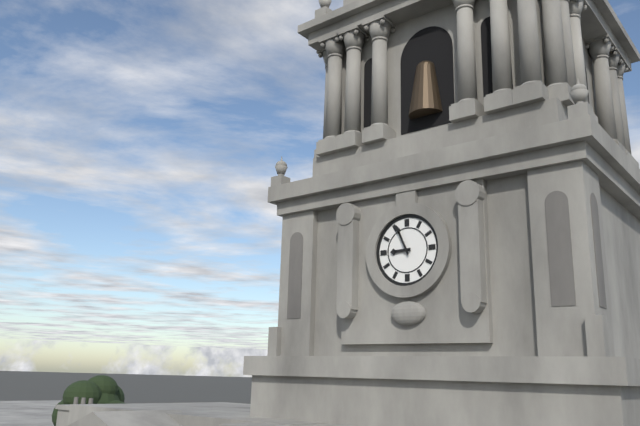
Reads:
8,56
